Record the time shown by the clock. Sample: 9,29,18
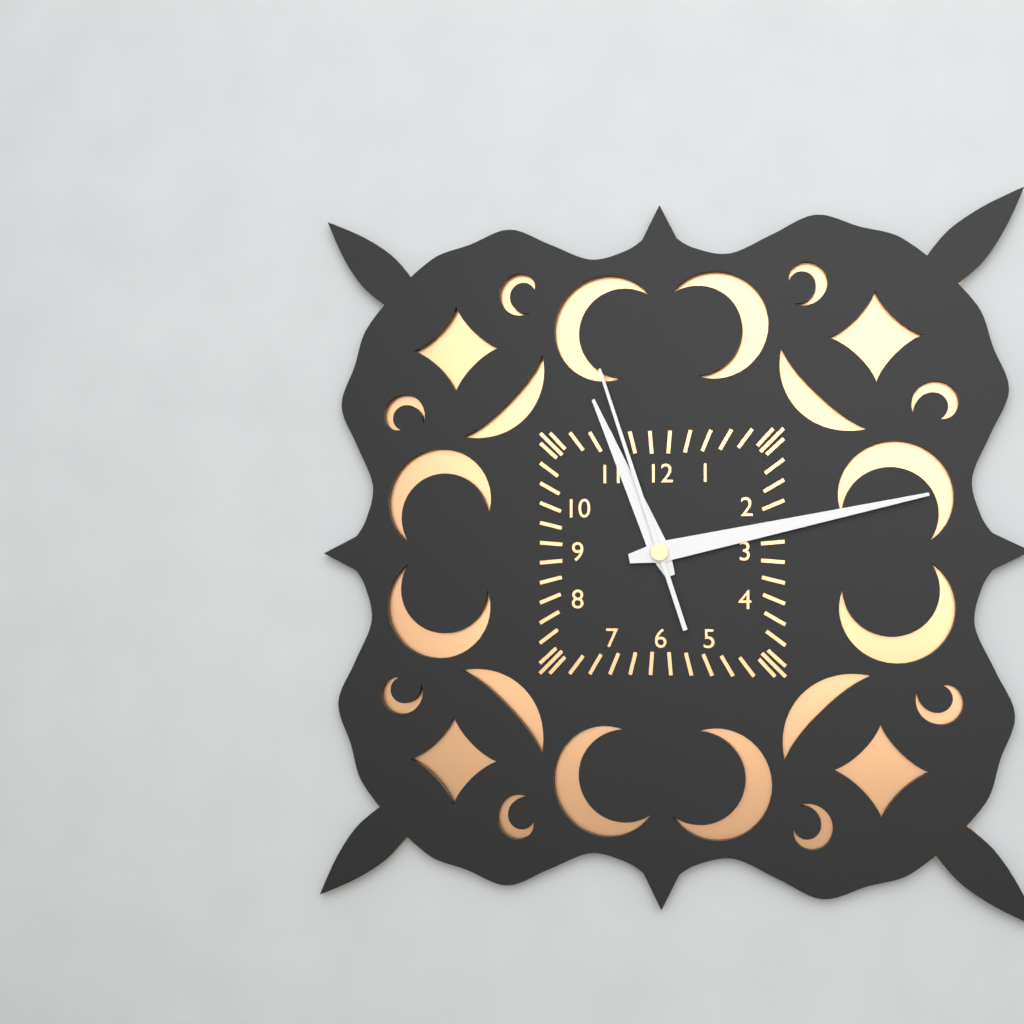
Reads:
11,13,57
